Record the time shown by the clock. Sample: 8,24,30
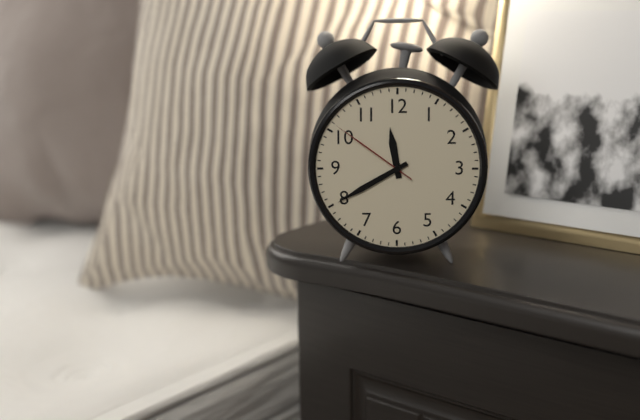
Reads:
11,40,51
